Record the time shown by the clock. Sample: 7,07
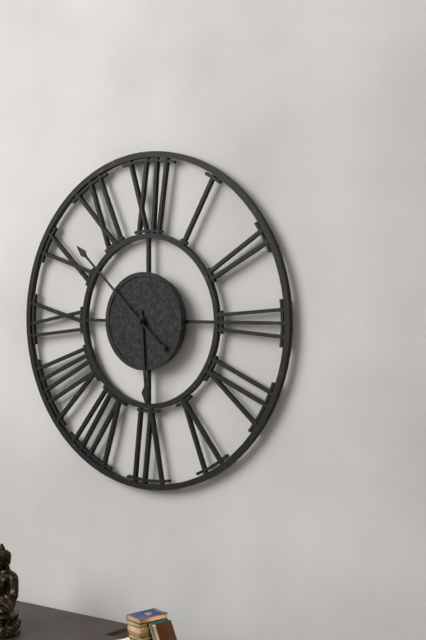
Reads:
5,52
